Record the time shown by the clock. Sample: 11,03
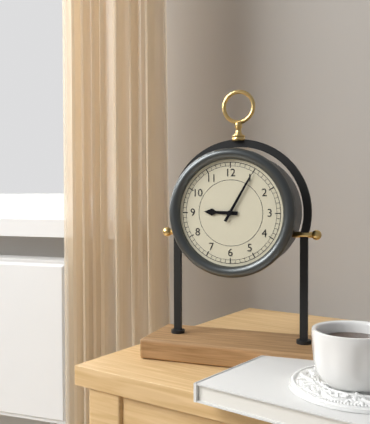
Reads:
9,05
